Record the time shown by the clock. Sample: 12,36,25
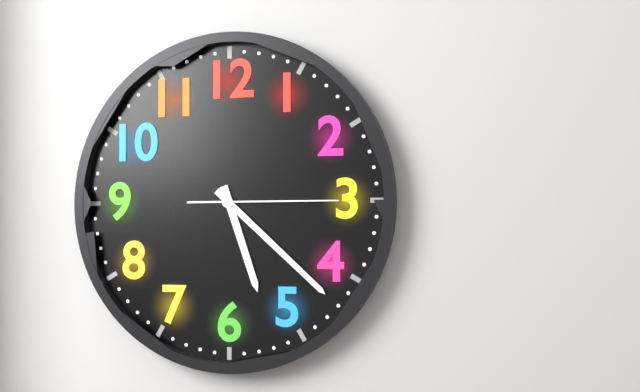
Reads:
5,22,15
